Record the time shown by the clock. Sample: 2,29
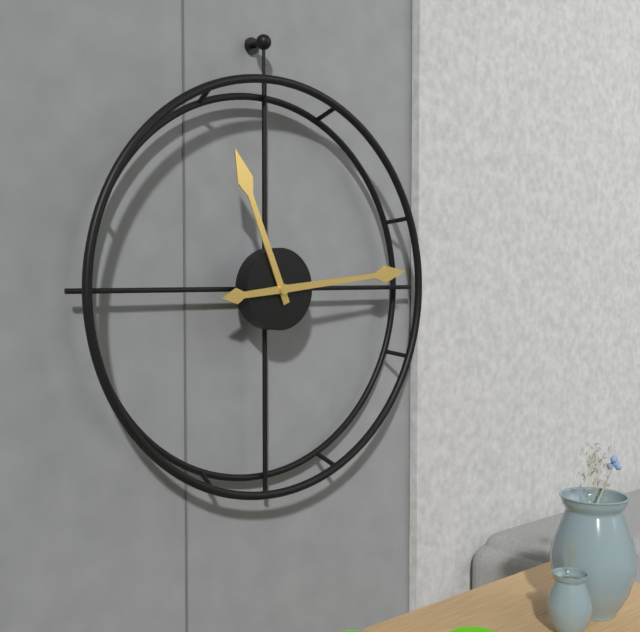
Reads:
11,14
